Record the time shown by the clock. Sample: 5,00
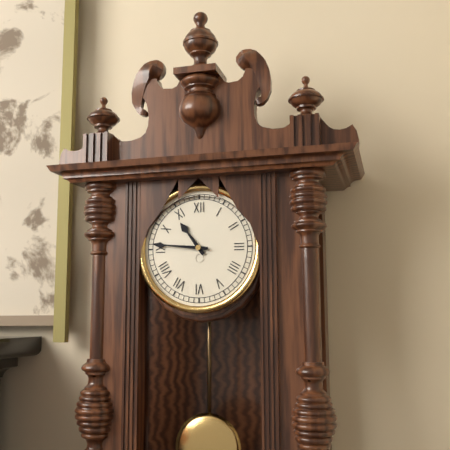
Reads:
10,46
